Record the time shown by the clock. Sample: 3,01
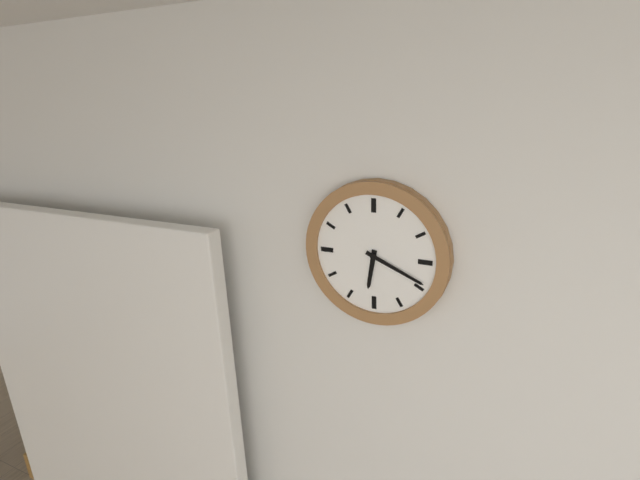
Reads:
6,19
